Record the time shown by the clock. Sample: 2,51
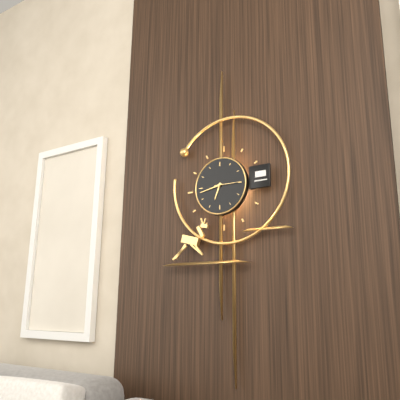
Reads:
6,43
